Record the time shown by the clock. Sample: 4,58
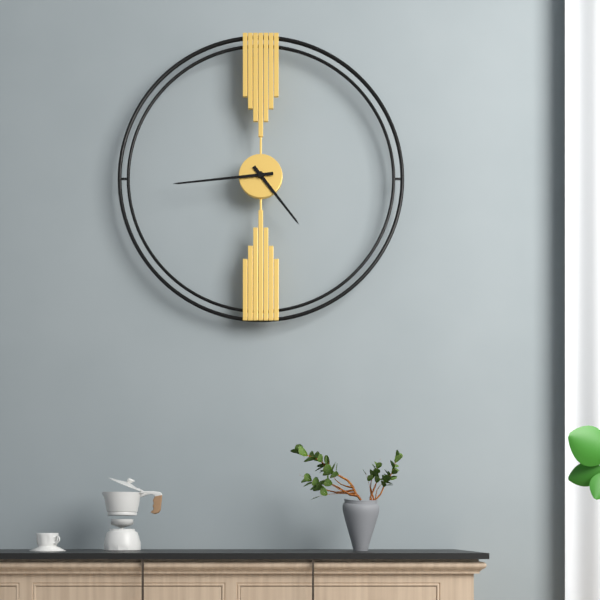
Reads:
4,44
